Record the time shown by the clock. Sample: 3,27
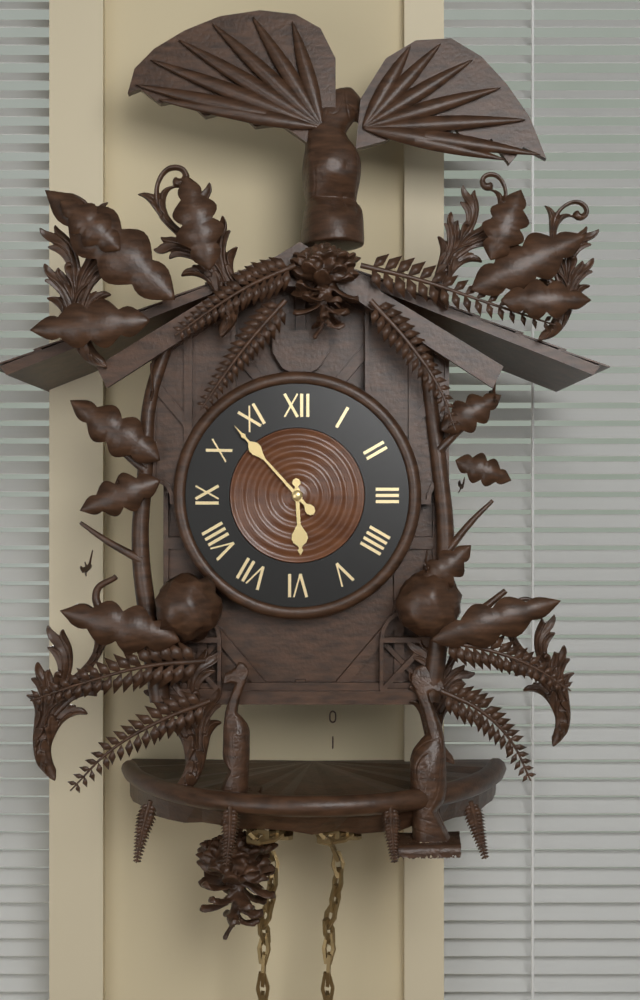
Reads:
5,53
